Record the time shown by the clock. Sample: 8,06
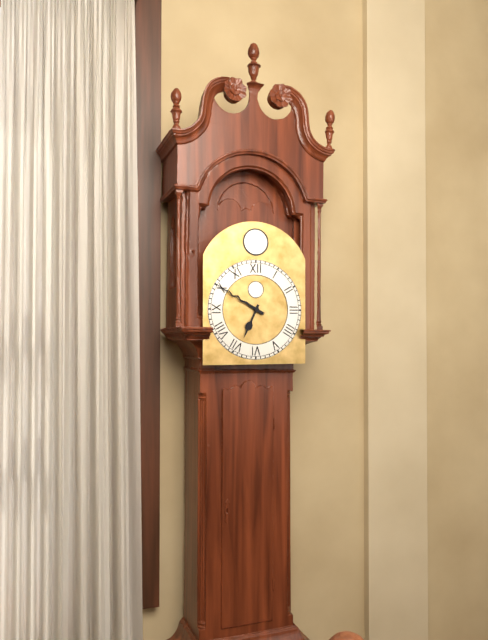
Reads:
6,50
